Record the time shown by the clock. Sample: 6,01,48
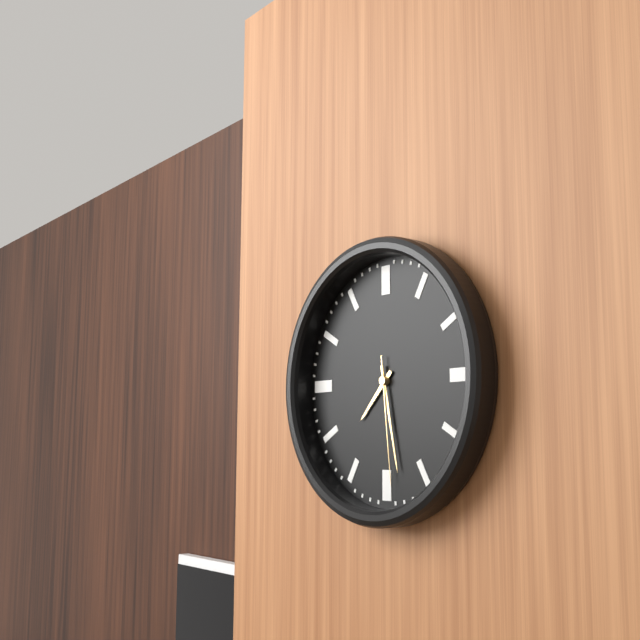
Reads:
7,28,29
